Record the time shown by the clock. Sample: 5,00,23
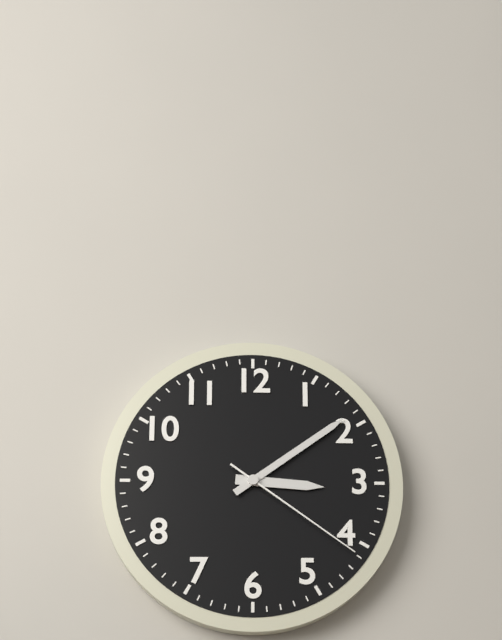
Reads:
3,09,21
